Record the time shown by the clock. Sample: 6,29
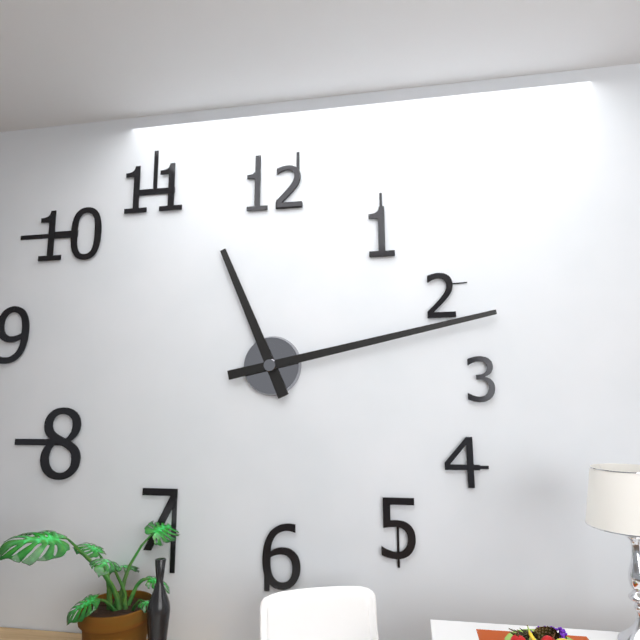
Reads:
11,13
